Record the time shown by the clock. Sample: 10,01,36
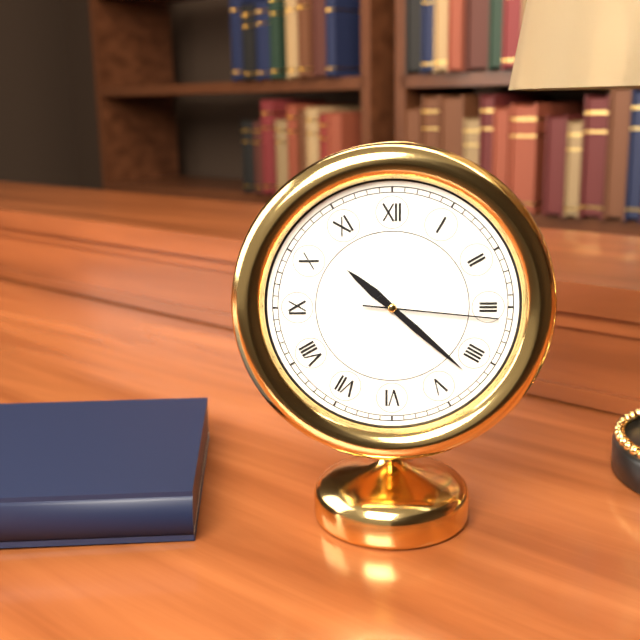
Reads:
10,22,16
